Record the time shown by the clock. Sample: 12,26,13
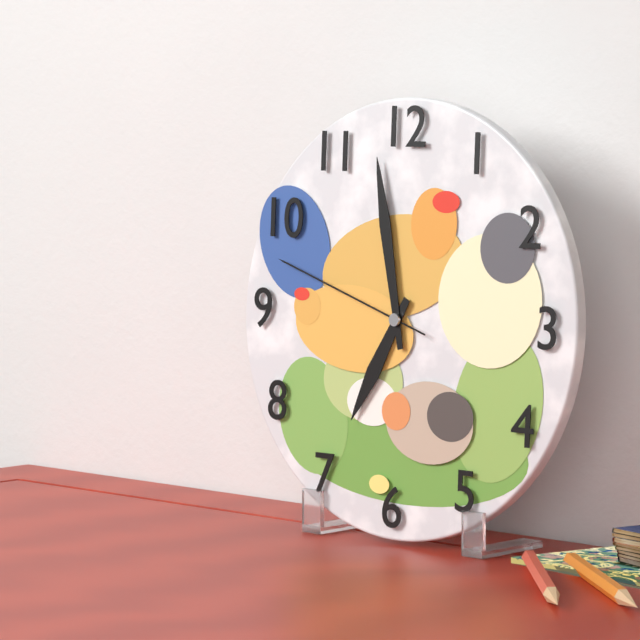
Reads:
6,58,48
